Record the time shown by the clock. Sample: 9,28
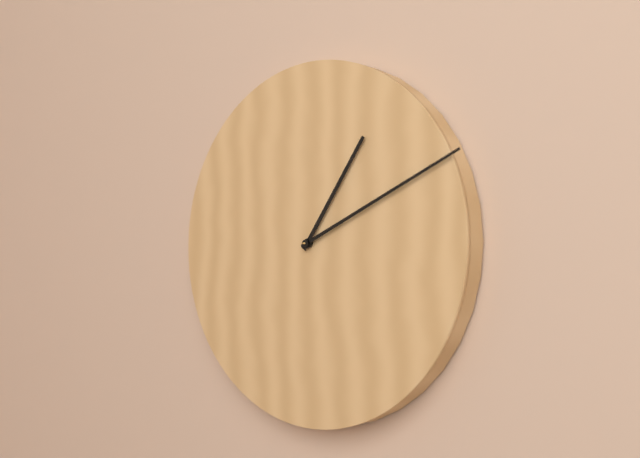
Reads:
1,11
